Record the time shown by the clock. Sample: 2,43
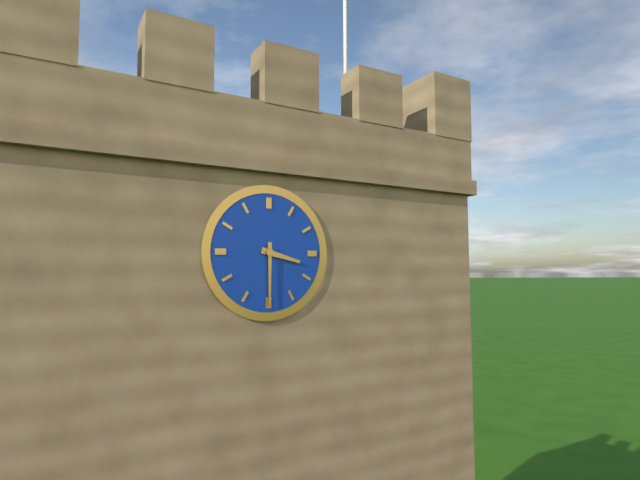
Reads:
3,30
